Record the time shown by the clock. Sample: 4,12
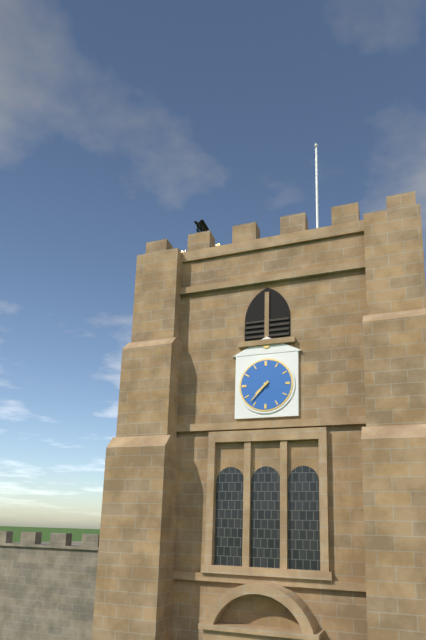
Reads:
7,37
